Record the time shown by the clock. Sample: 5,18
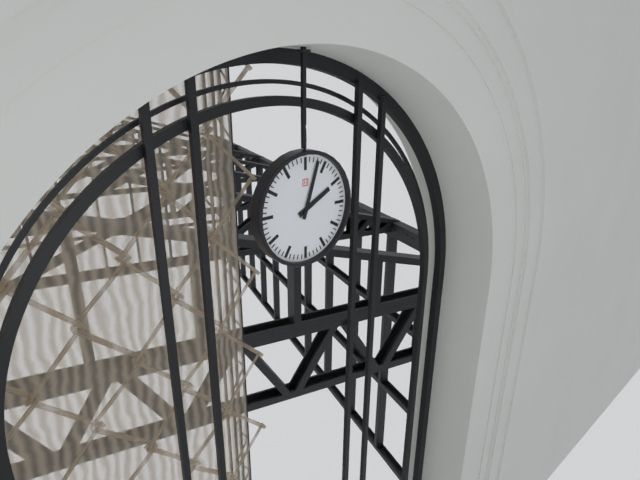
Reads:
2,03
